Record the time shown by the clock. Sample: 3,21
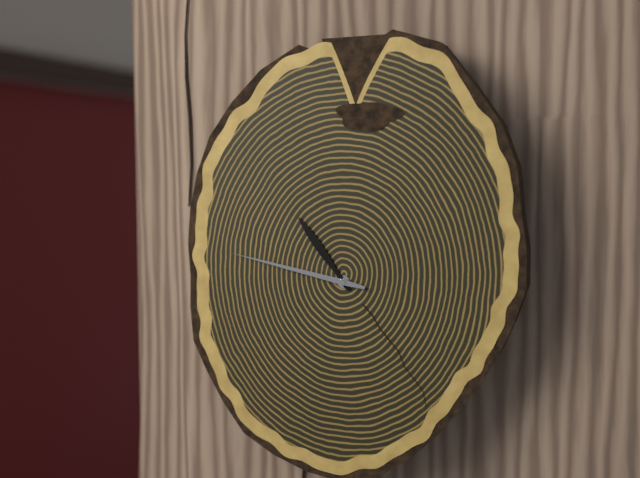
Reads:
10,47
